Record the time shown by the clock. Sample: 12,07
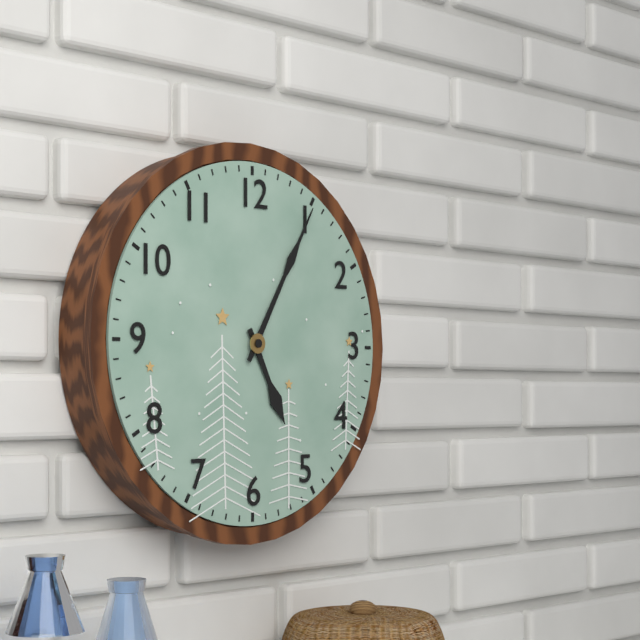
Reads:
5,05
